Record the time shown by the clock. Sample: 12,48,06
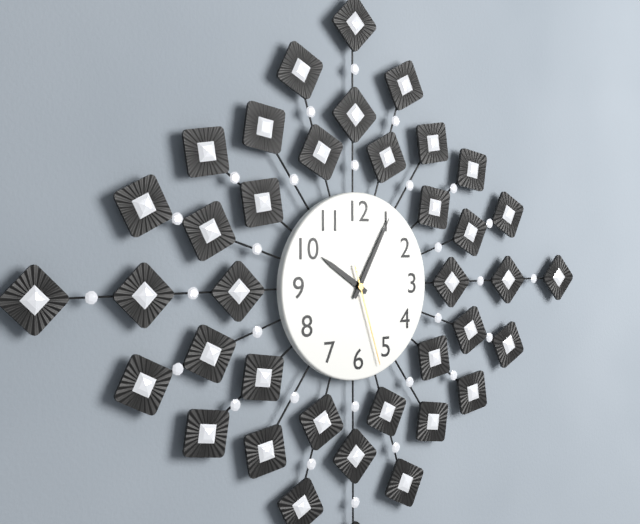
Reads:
10,05,27
